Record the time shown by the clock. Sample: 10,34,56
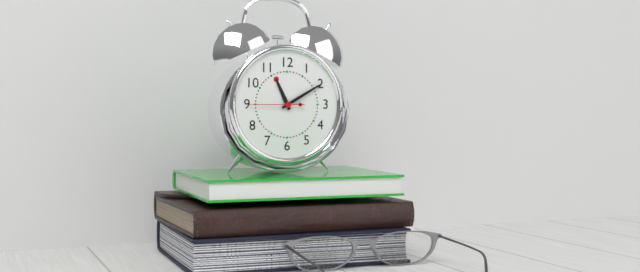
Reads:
11,10,45
